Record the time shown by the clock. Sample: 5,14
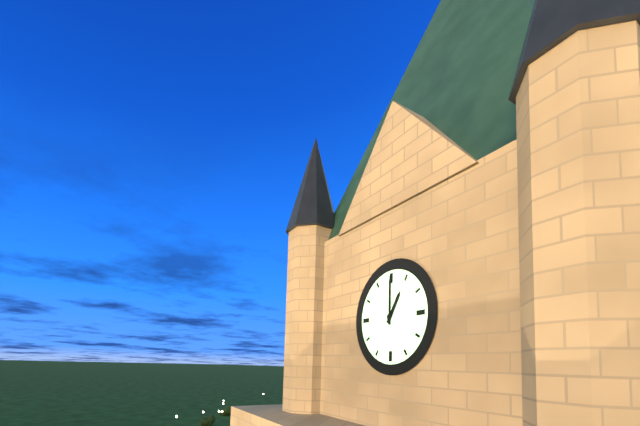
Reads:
1,00
